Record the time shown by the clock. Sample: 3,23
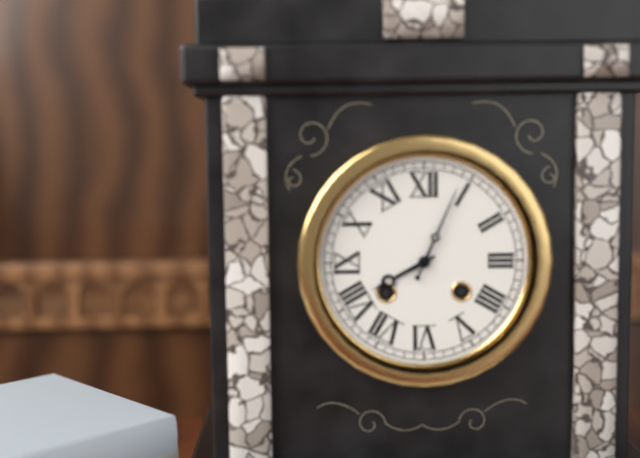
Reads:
8,04
